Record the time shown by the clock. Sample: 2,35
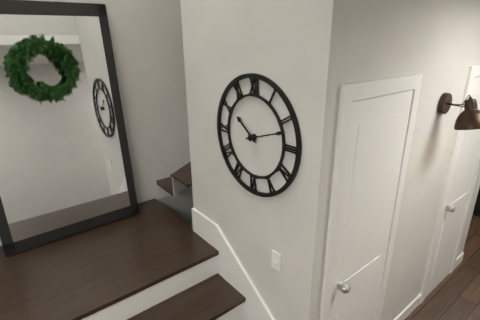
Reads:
10,12
